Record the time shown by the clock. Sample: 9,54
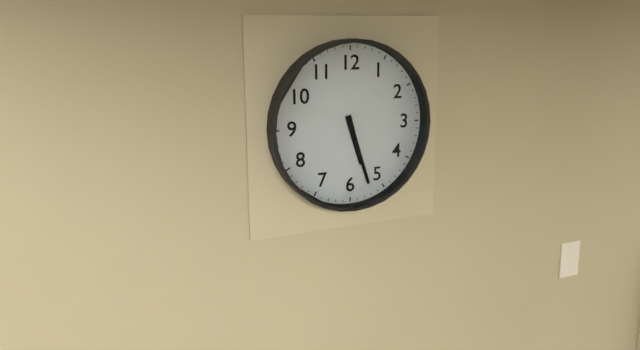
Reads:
5,27
